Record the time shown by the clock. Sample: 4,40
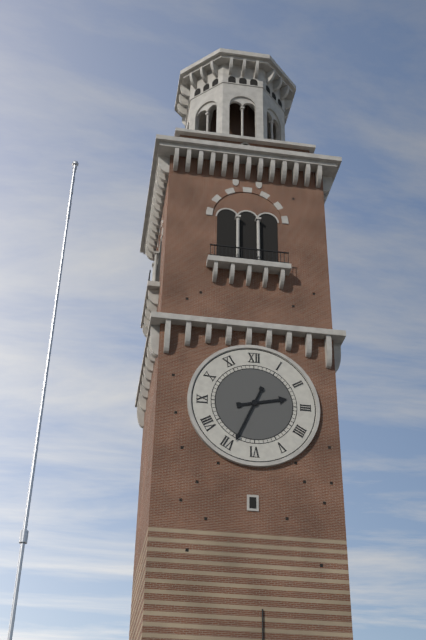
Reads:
2,34
